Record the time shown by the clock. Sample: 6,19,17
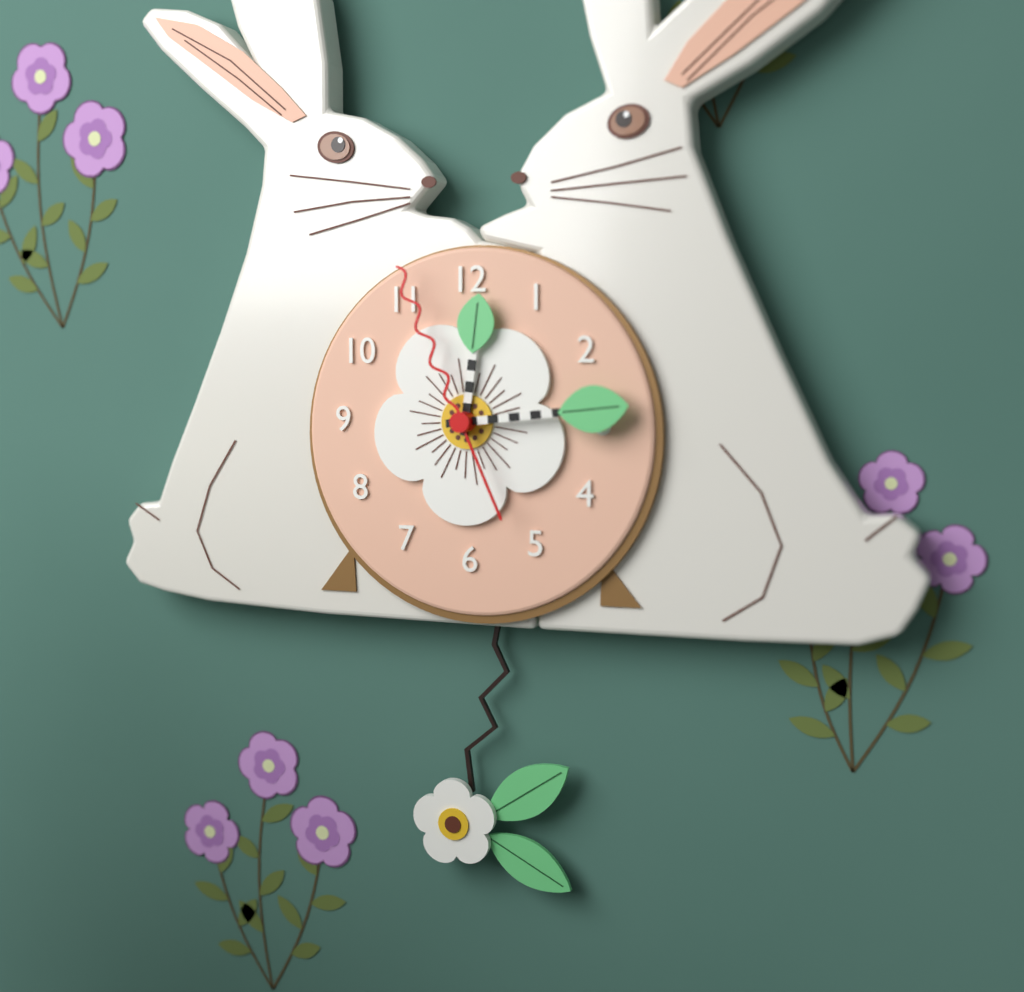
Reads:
12,14,56
